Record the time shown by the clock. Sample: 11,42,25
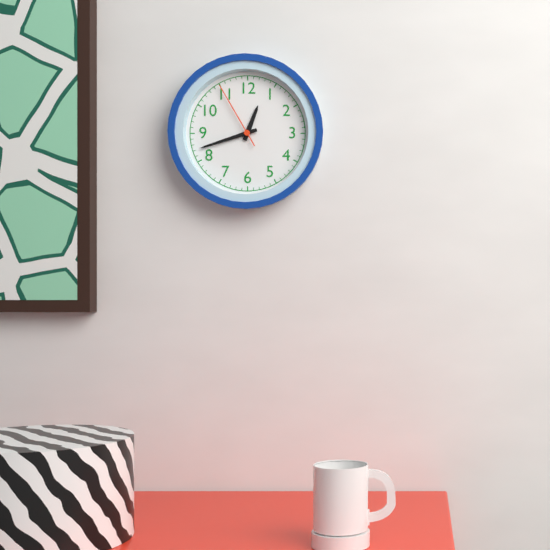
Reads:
12,42,55
